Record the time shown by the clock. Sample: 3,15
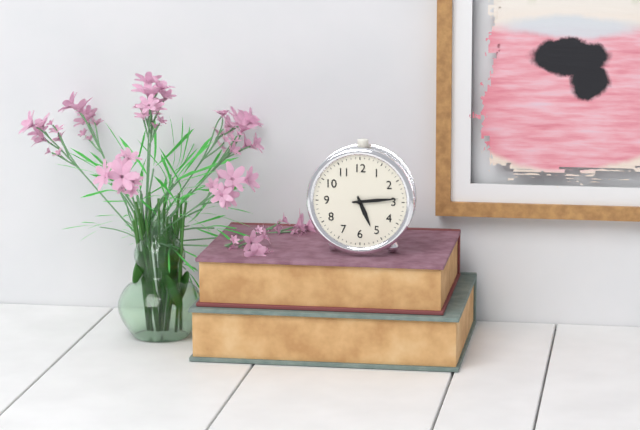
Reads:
5,14
